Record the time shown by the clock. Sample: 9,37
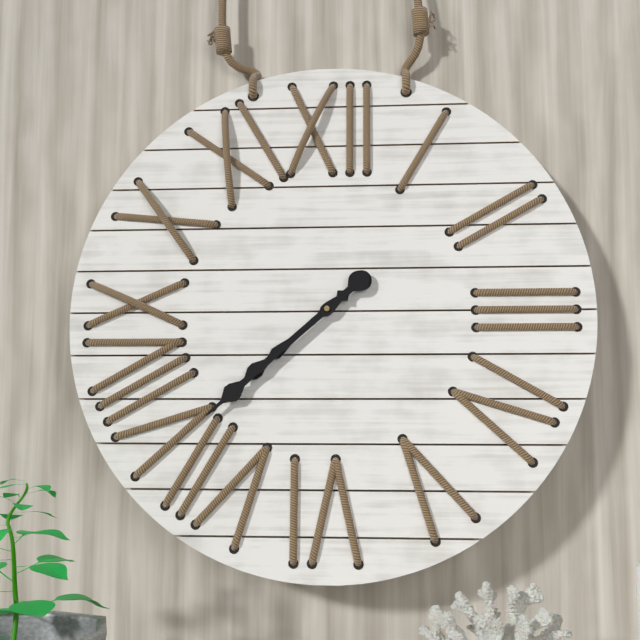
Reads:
7,38
